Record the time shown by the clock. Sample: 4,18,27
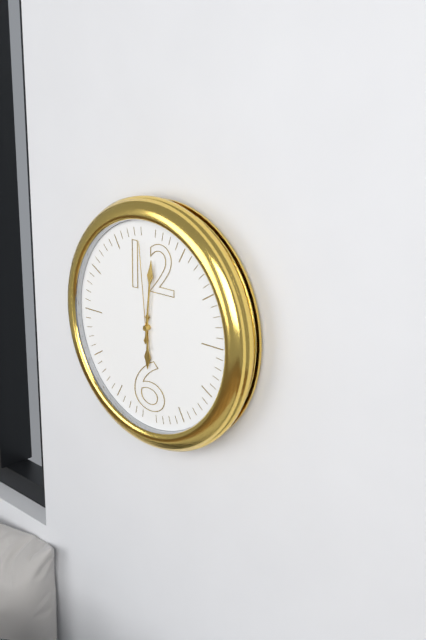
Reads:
6,01,59
